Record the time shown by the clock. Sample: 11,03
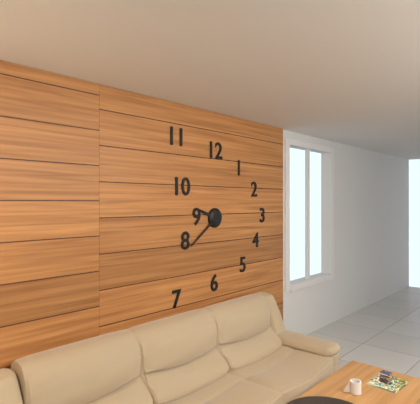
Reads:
9,39
